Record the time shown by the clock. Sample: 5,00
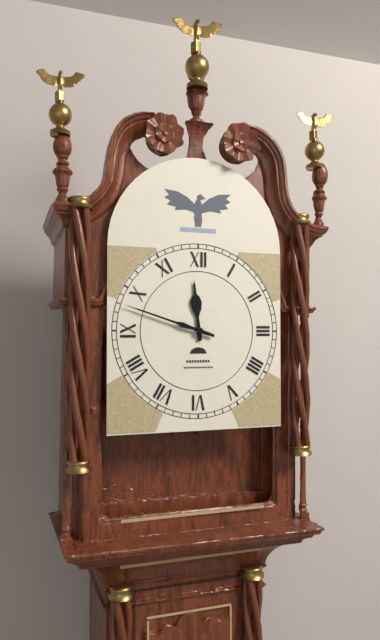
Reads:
11,48
